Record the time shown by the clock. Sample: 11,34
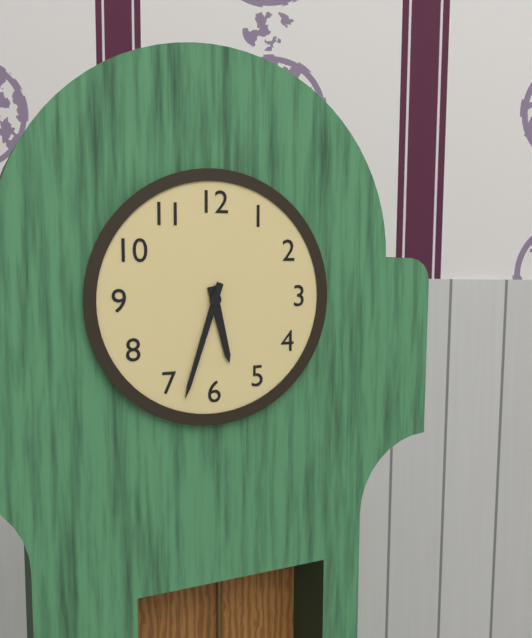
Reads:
5,33
